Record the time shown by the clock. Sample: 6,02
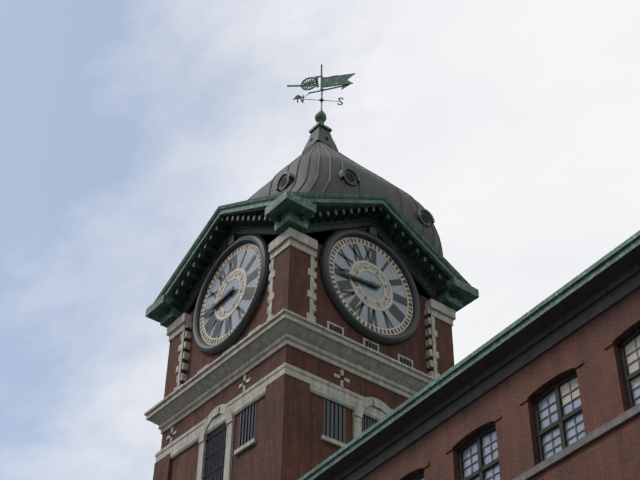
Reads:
8,44
